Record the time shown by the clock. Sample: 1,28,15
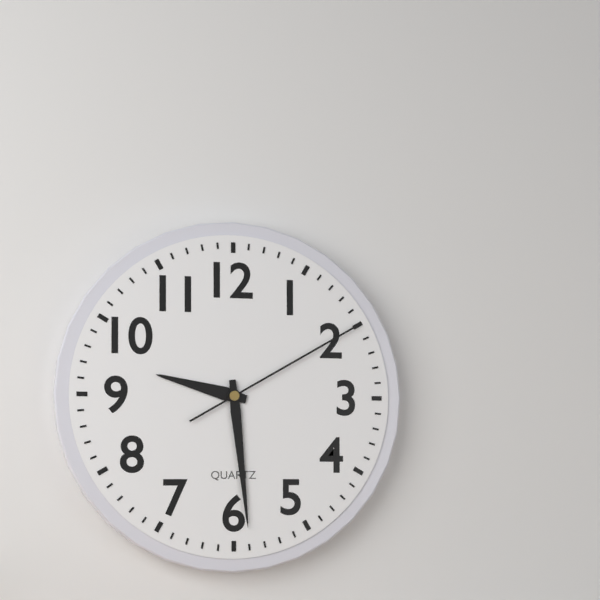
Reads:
9,29,10
